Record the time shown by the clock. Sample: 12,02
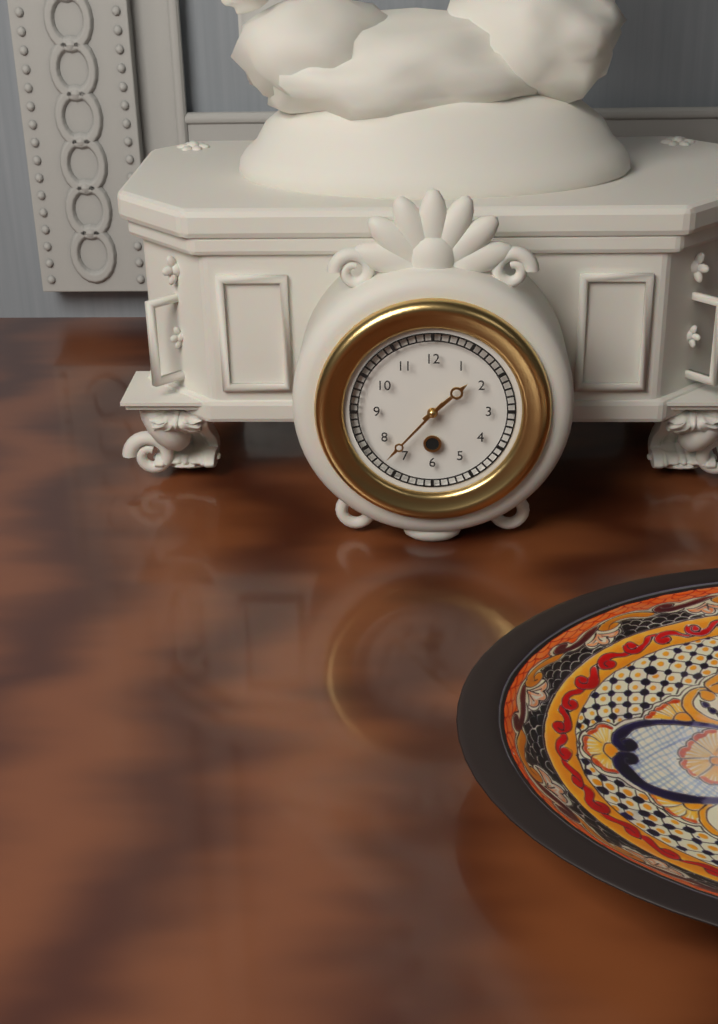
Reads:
1,37
